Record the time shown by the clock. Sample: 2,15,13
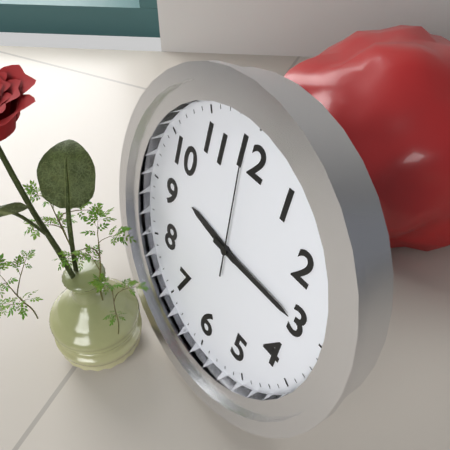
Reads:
9,15,59
